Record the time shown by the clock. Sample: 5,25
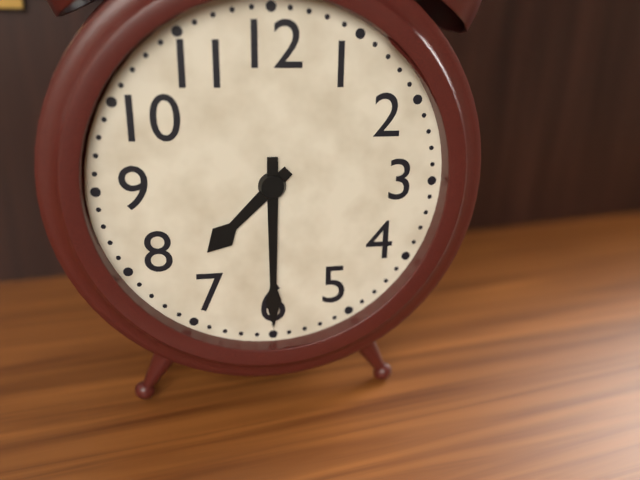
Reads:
7,30
